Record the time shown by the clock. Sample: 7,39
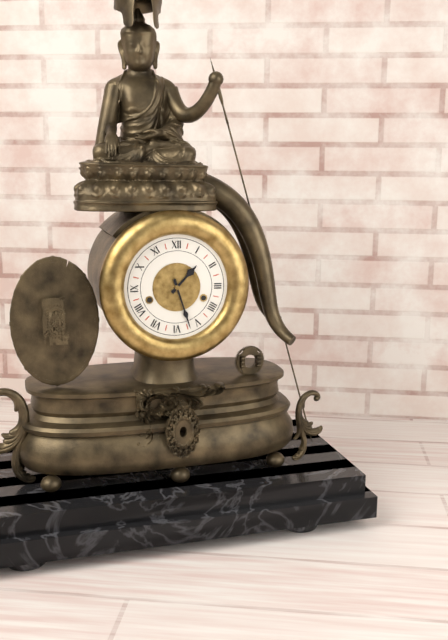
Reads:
1,27
